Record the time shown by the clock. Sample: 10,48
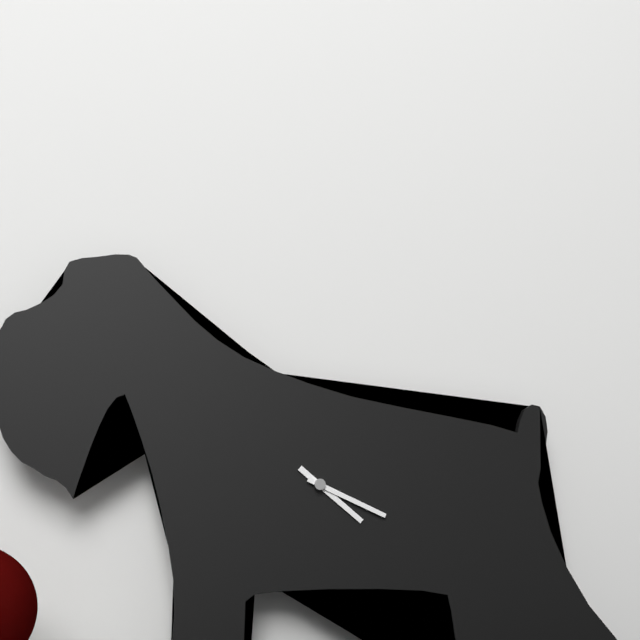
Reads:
4,19
